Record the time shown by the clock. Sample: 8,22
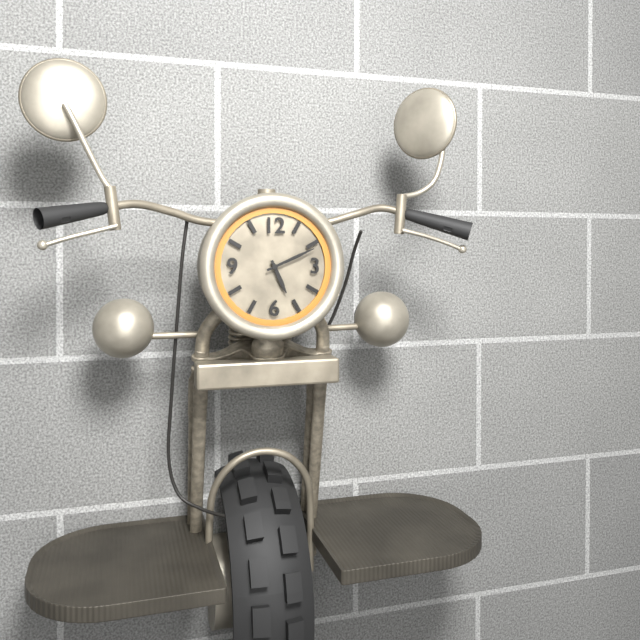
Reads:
5,11
